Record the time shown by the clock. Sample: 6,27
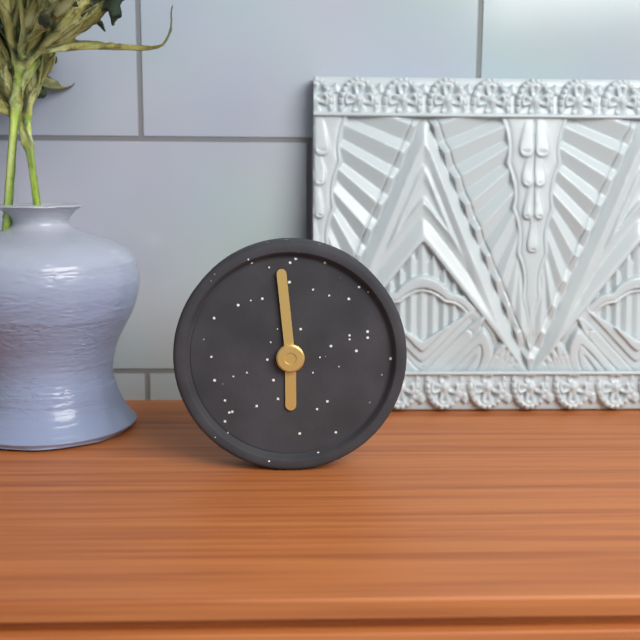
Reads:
5,59
